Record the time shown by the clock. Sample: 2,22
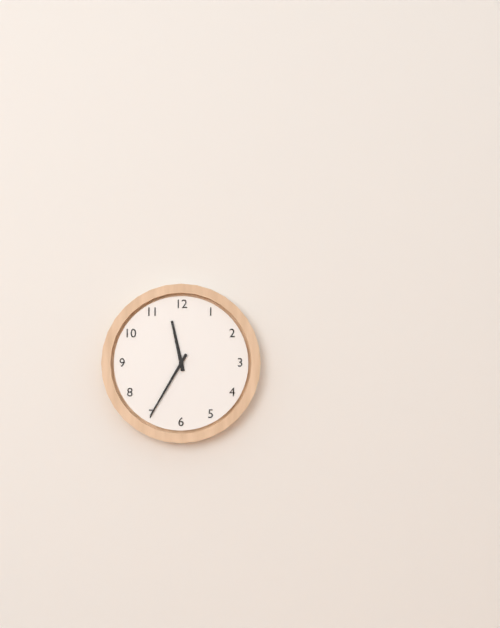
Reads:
11,35
